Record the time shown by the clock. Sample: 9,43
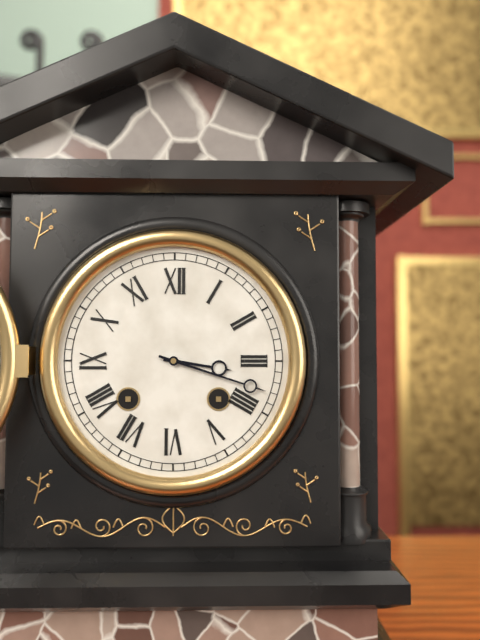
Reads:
3,18
